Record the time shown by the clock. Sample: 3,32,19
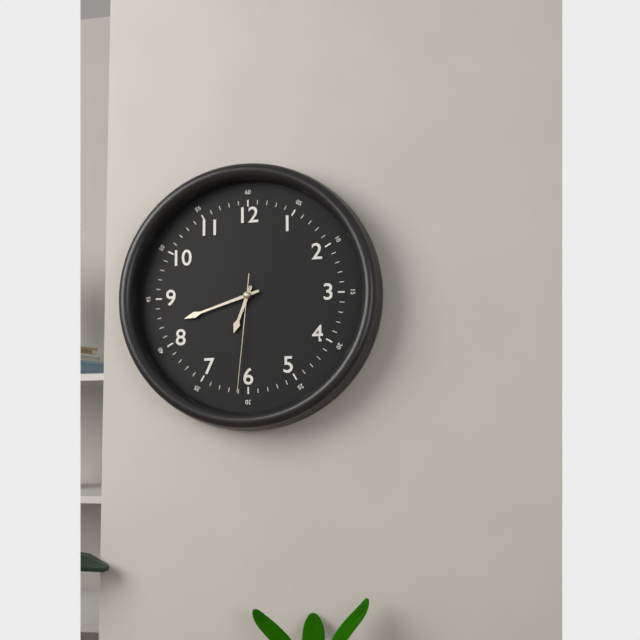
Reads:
6,42,31
